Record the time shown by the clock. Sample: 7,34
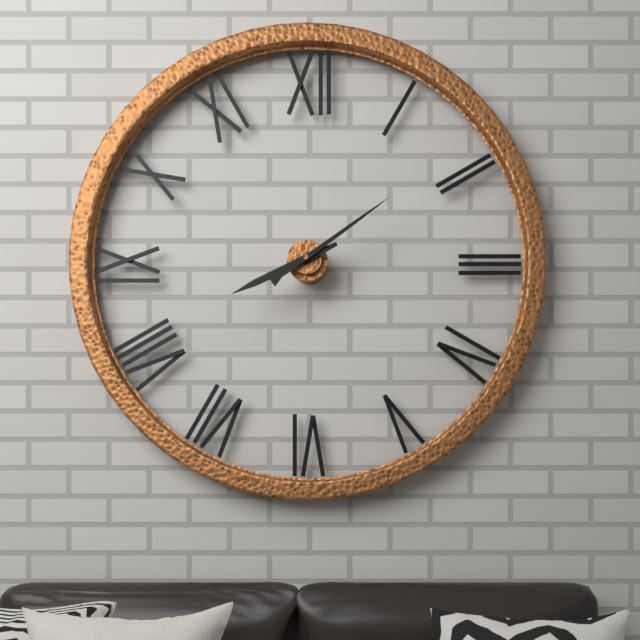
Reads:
8,09
